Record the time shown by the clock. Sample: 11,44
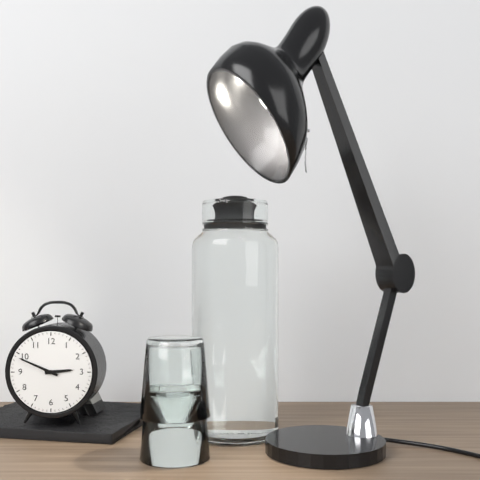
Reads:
2,49
